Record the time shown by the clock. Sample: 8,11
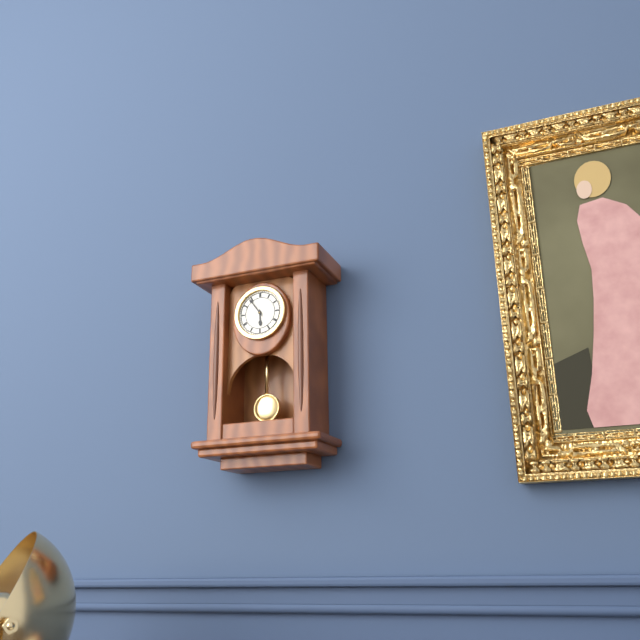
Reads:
5,54
